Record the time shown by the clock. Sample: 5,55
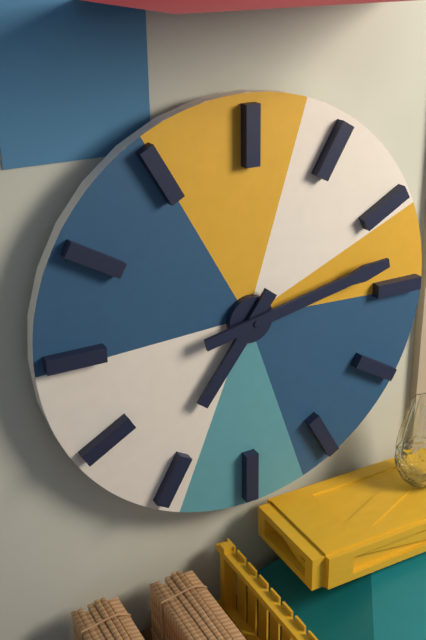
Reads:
7,13
